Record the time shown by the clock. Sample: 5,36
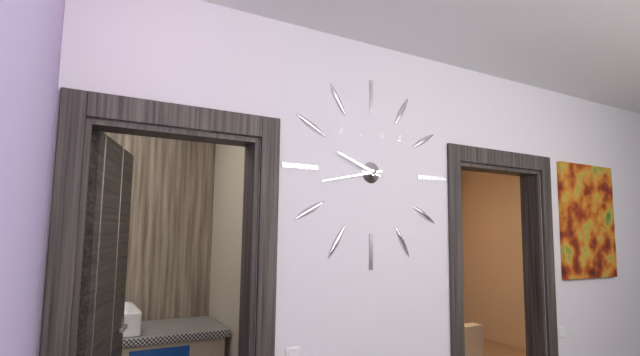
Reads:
9,43
